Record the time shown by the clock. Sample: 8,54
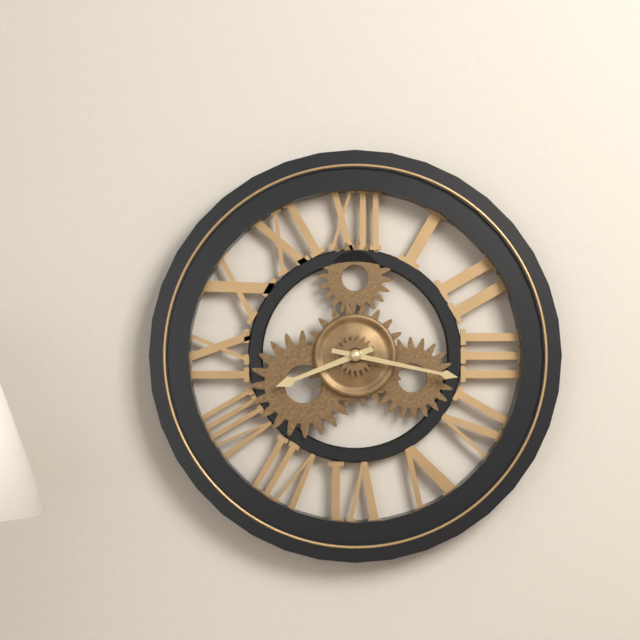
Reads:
8,17
